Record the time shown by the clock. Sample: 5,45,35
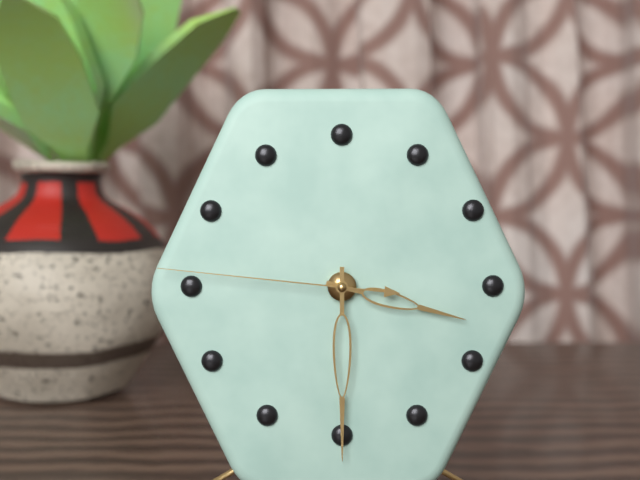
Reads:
3,30,46
